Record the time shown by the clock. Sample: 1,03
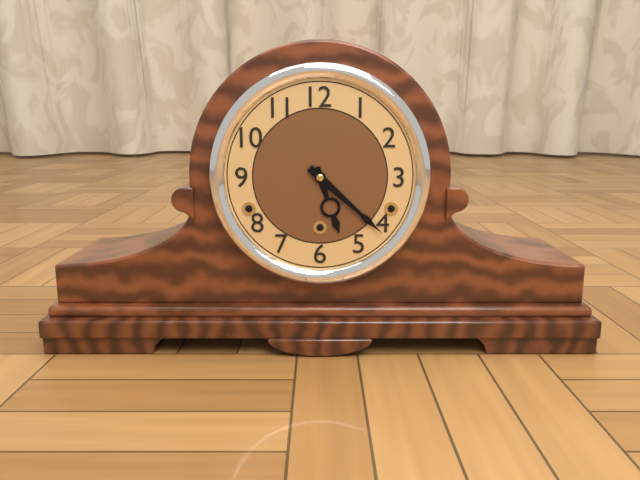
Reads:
5,22
